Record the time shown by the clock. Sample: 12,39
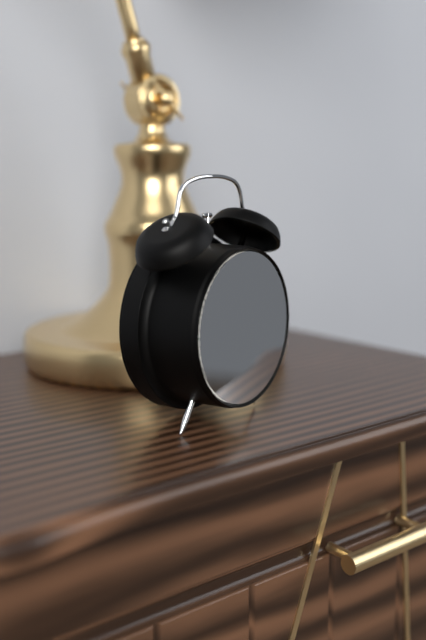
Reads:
2,05
